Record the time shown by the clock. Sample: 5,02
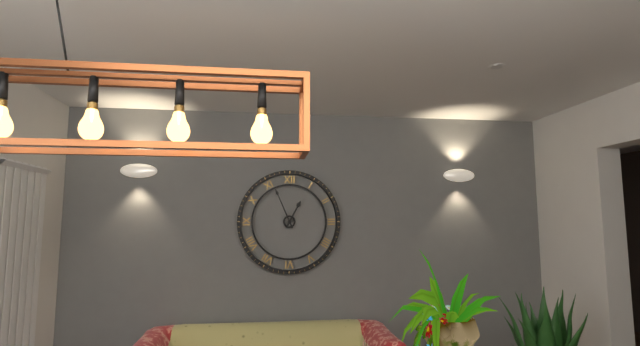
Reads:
12,56
